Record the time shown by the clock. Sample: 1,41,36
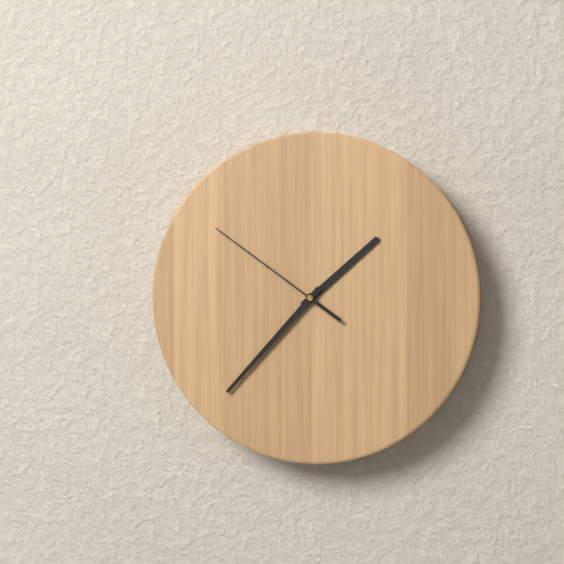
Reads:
1,37,51
